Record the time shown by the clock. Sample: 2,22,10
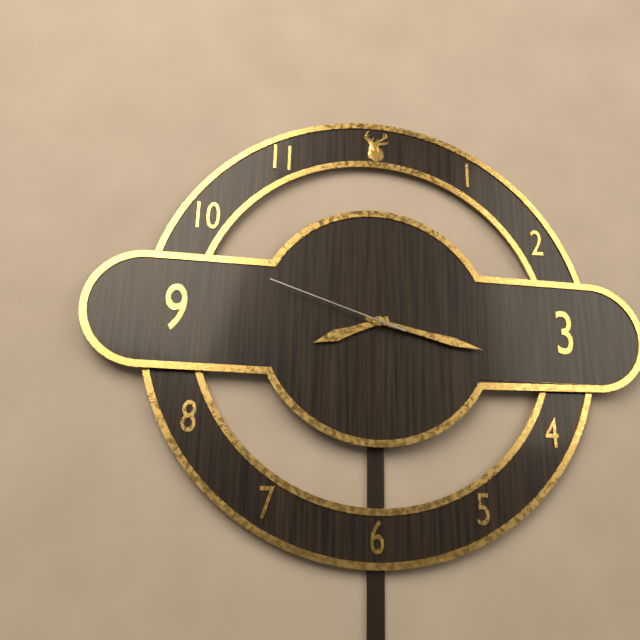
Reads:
8,17,48
